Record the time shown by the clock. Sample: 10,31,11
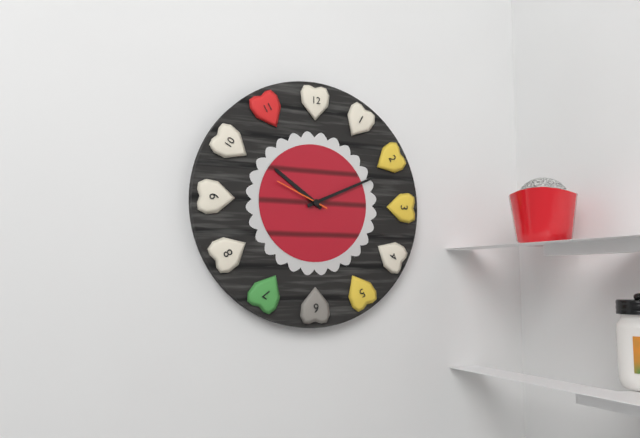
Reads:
10,11,49
